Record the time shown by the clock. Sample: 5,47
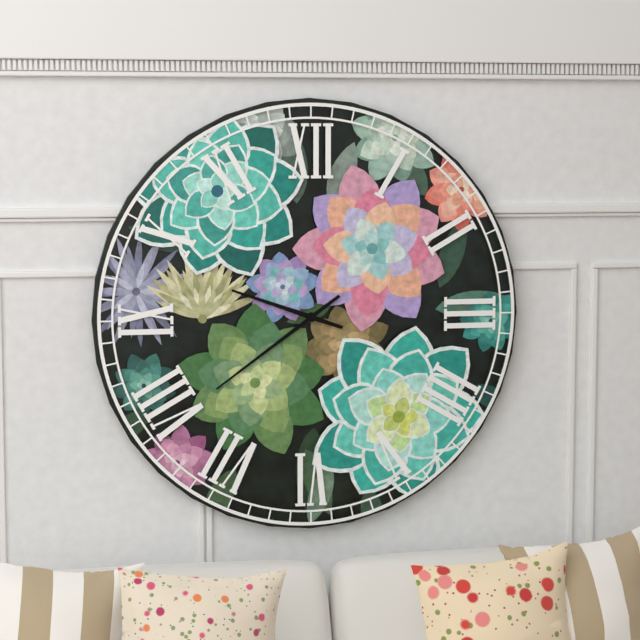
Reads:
9,39
